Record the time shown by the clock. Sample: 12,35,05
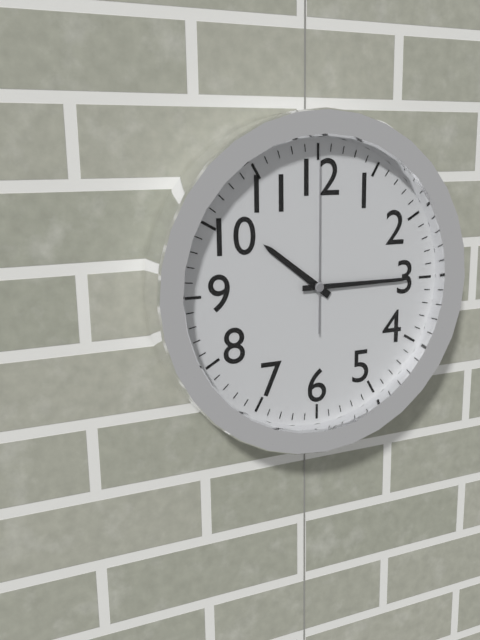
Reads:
10,15,00
